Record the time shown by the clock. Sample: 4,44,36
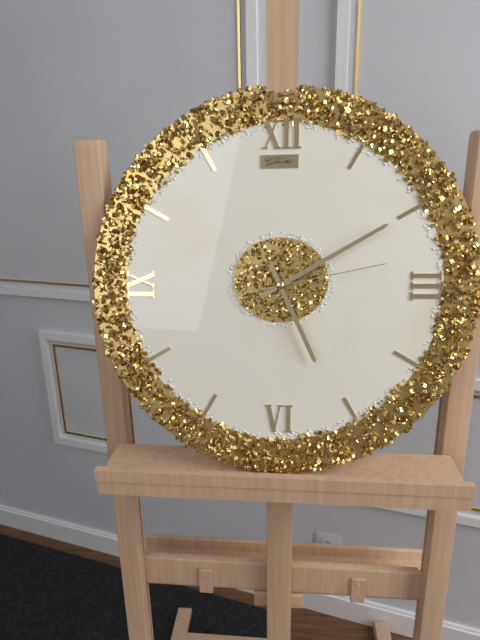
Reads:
5,10,13
